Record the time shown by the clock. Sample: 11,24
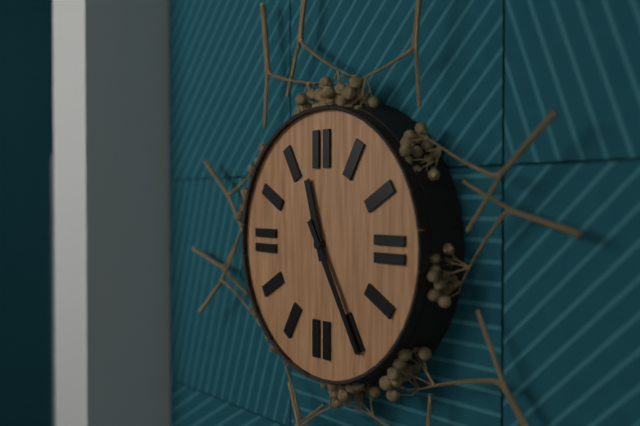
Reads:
11,25
